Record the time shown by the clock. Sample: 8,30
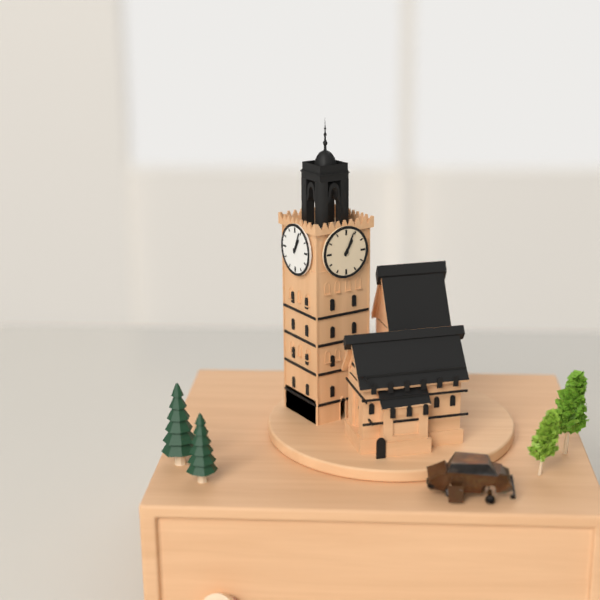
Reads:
1,04
